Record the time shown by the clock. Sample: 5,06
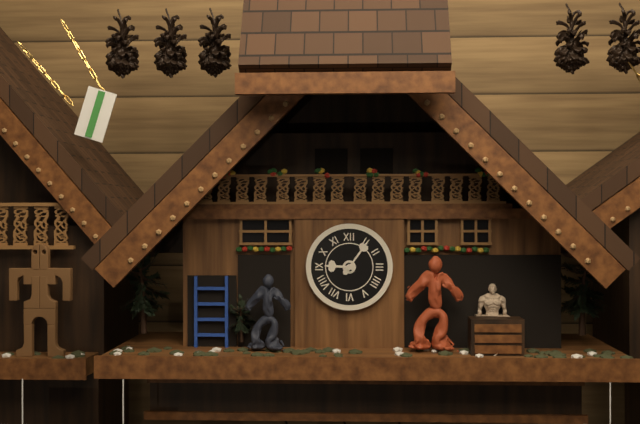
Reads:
9,06
